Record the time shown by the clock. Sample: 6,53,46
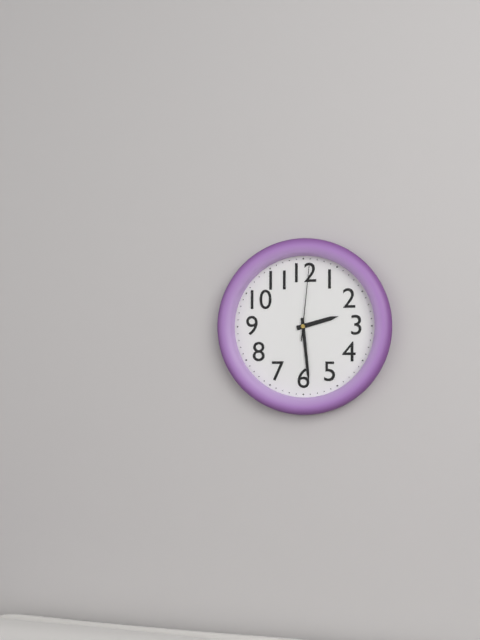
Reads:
2,29,01
